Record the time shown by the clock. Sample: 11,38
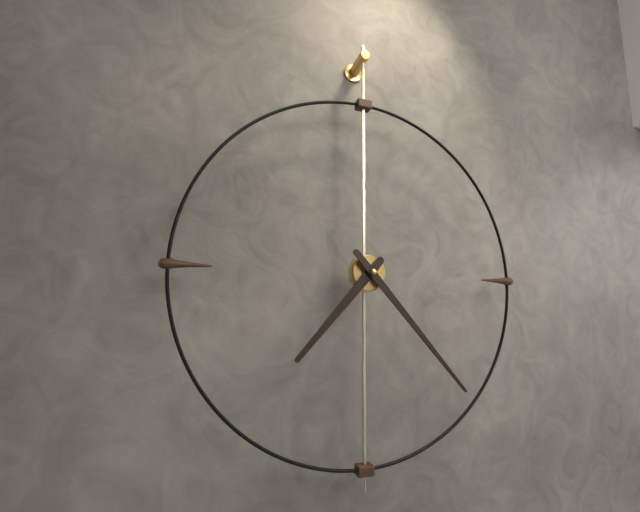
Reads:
7,23
